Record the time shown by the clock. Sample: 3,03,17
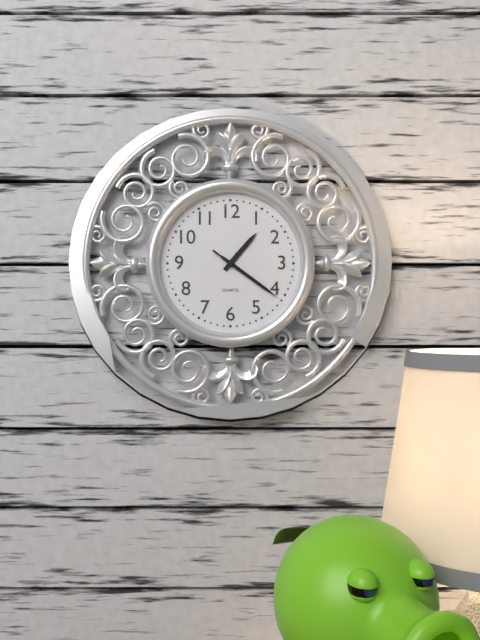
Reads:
1,21,21
